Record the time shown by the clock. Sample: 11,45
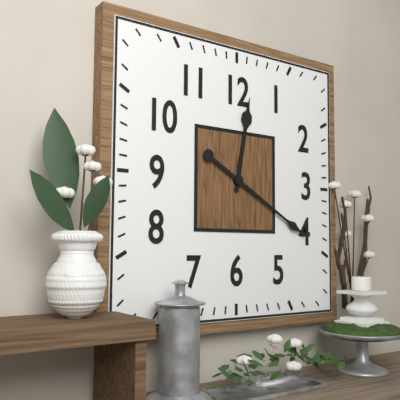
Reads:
12,20
